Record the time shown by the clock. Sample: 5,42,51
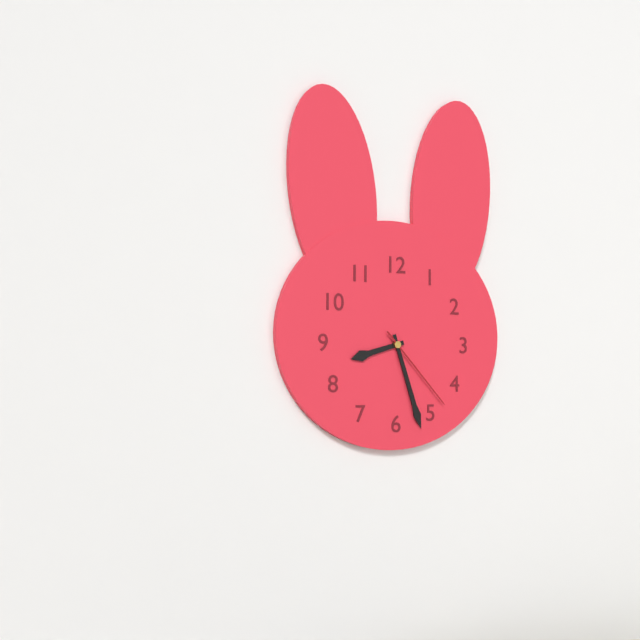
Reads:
8,27,23
